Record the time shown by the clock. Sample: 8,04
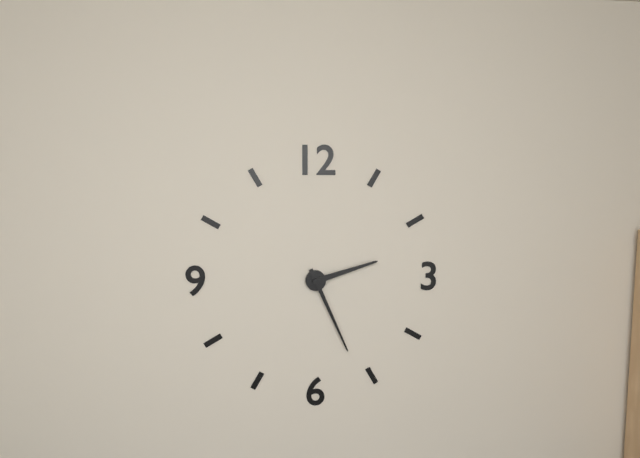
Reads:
2,26
